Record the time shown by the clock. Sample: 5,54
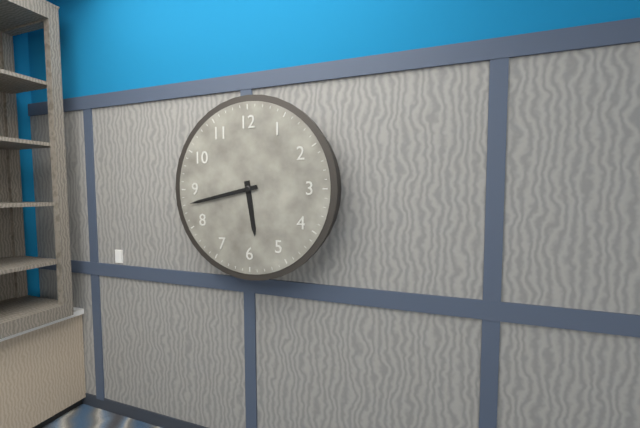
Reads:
5,43
